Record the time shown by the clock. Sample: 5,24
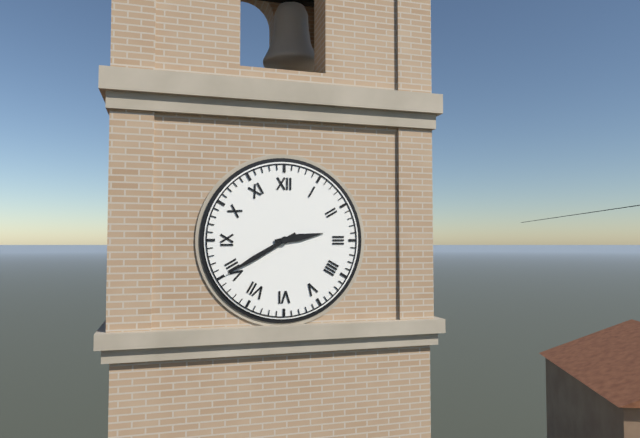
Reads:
2,40
